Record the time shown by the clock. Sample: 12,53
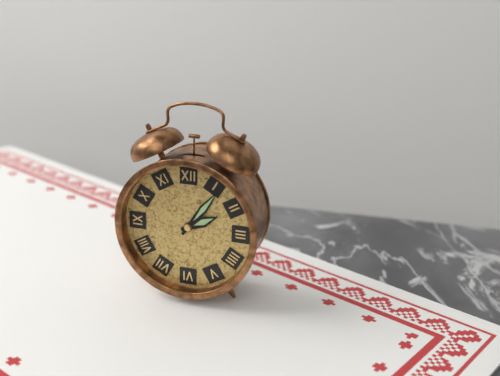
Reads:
2,06
